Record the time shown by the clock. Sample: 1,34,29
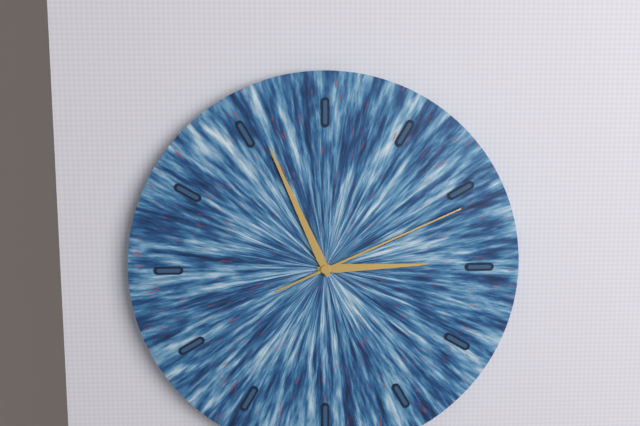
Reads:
2,56,11
